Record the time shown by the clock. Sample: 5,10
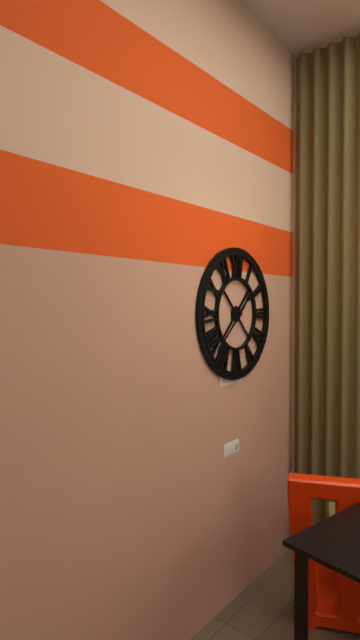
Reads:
1,38
